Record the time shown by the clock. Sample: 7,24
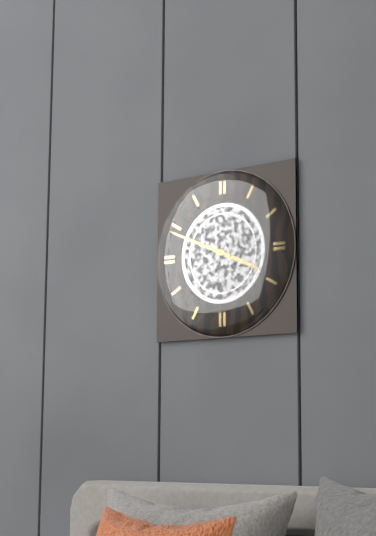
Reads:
3,49
